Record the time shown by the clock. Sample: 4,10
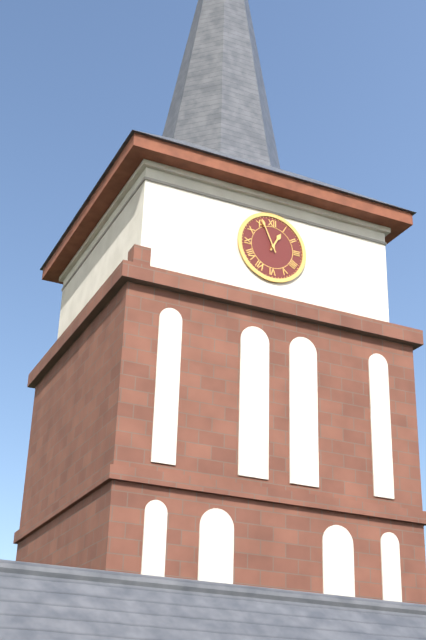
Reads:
12,56
